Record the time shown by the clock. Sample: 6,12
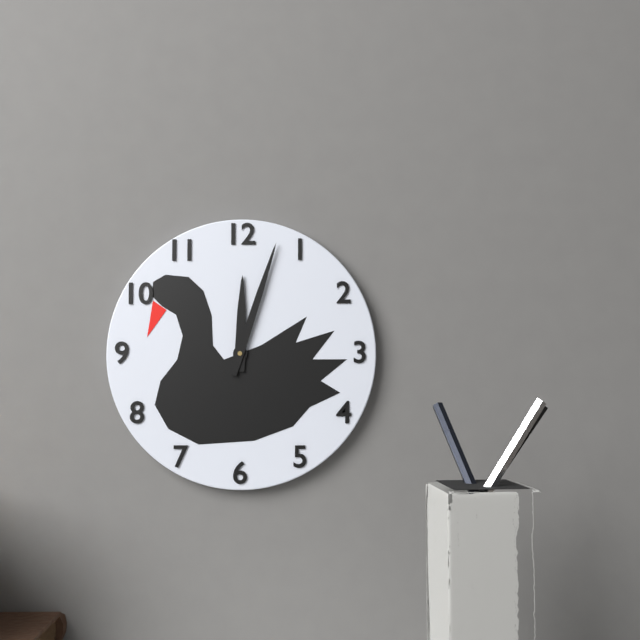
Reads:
12,03
